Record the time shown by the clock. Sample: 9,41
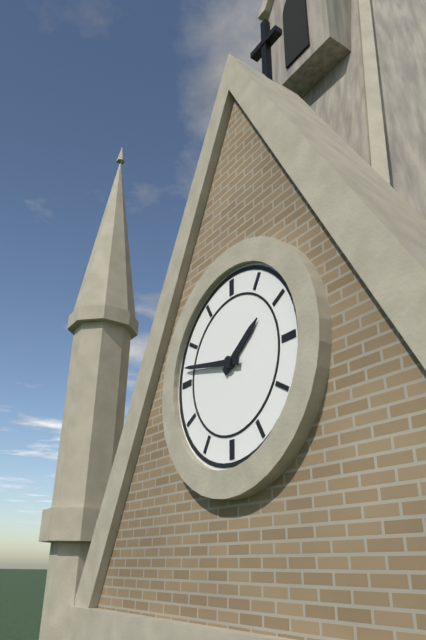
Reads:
1,47
